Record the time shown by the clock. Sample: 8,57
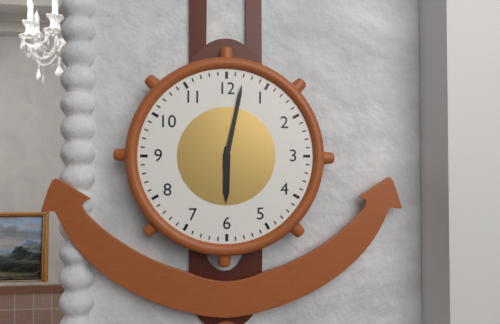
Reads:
6,02
